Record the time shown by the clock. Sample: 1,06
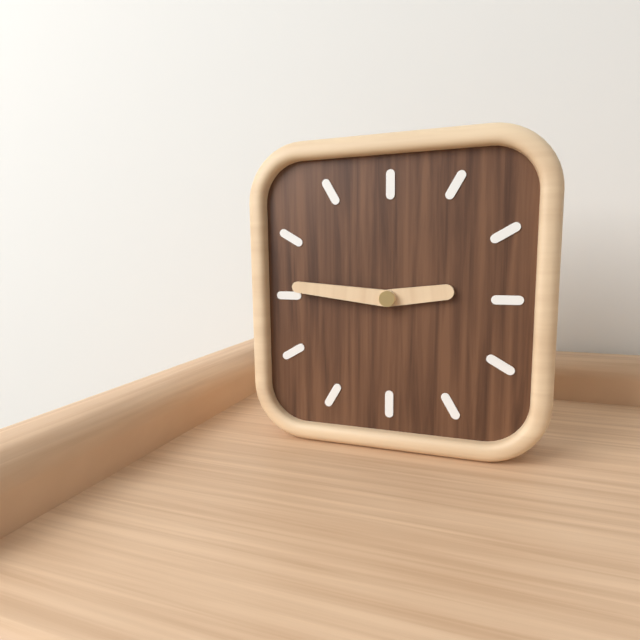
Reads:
2,46
